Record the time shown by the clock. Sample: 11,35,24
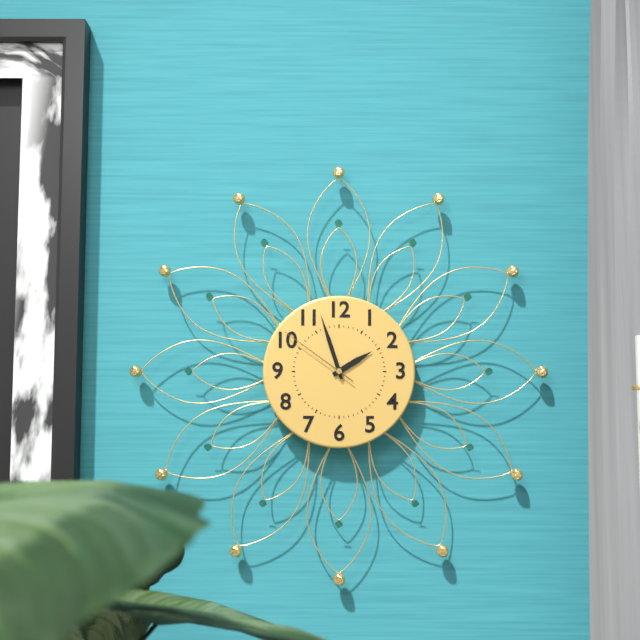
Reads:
1,57,51
